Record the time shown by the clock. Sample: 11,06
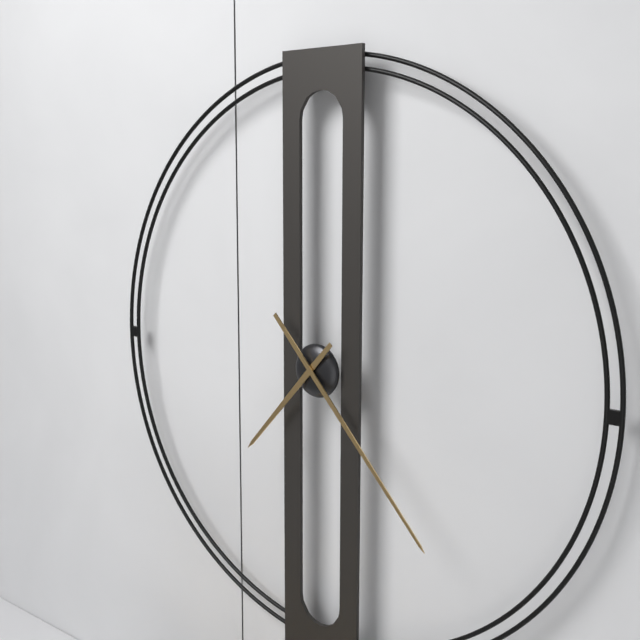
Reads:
7,23
